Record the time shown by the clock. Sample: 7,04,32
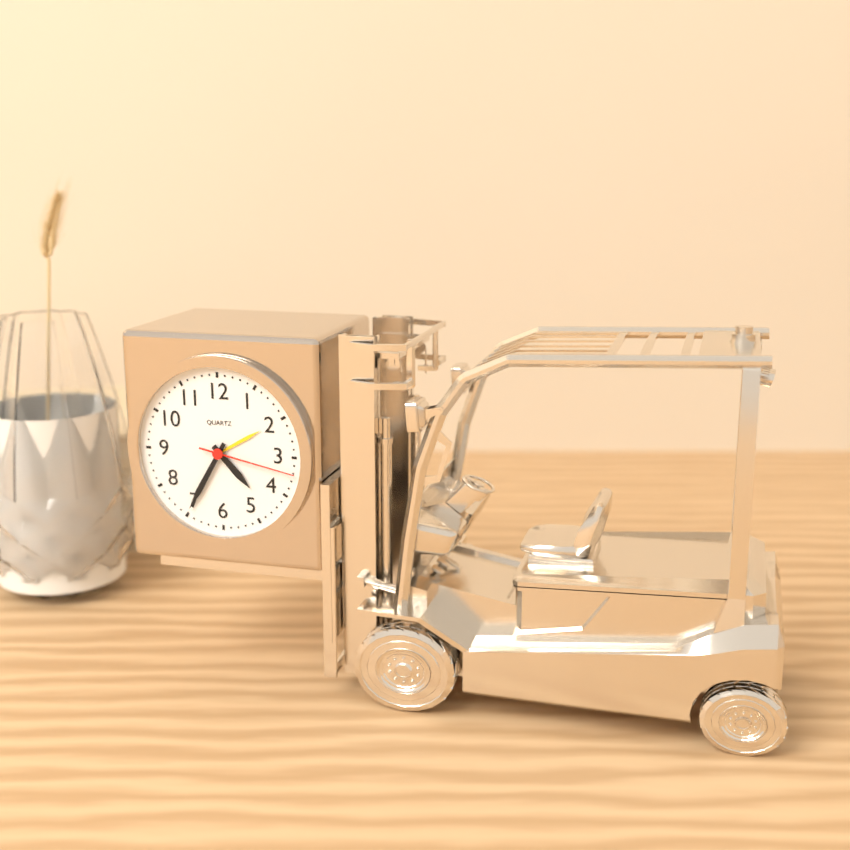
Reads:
4,35,17
